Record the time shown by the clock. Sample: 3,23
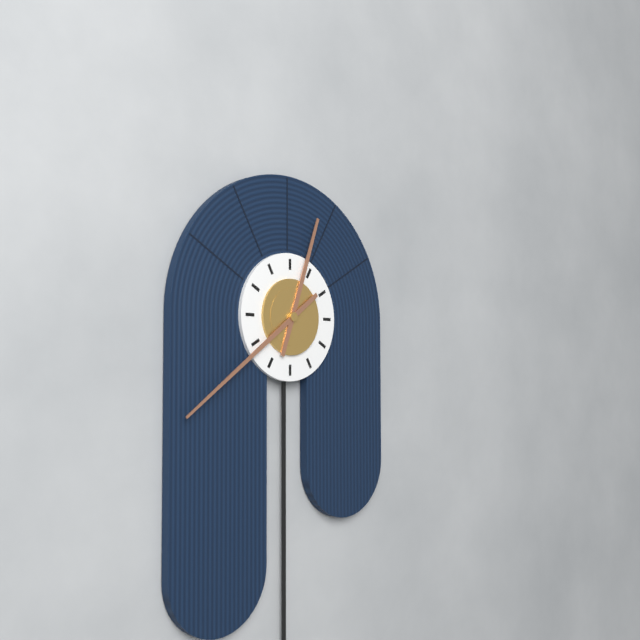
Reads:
12,39
